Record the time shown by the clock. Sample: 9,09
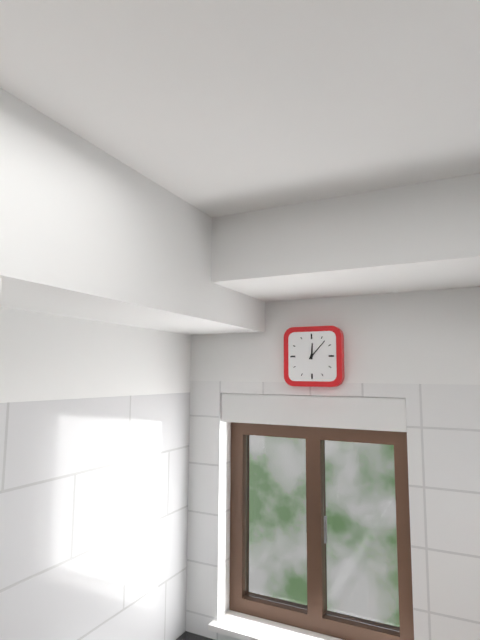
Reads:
12,07
